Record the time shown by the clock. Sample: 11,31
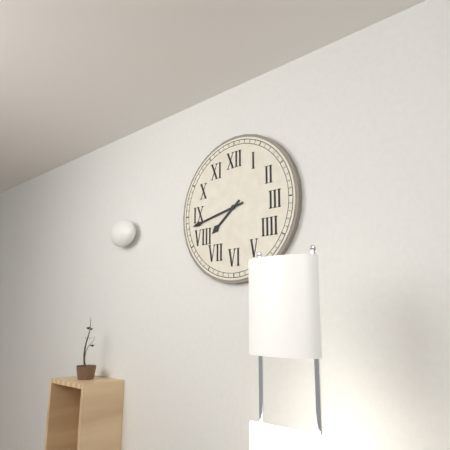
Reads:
7,43
